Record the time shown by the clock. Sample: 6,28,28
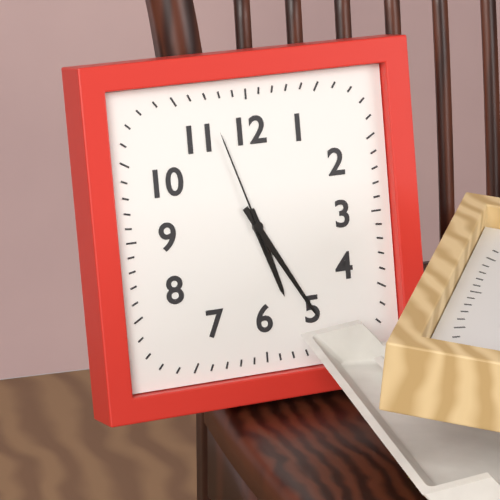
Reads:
5,25,57
